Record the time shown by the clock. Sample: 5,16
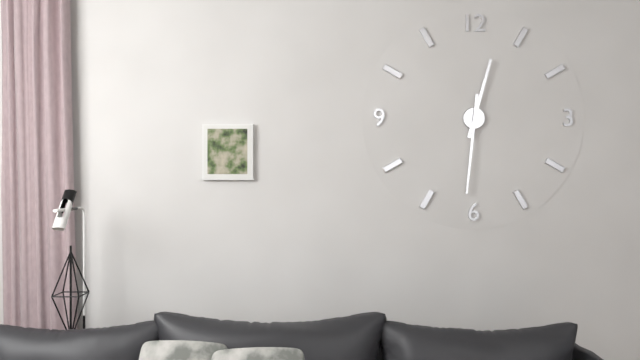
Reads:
12,31
